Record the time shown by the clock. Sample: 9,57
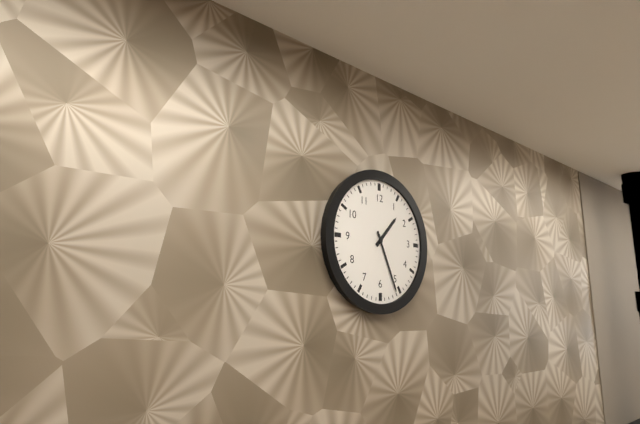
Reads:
1,26
